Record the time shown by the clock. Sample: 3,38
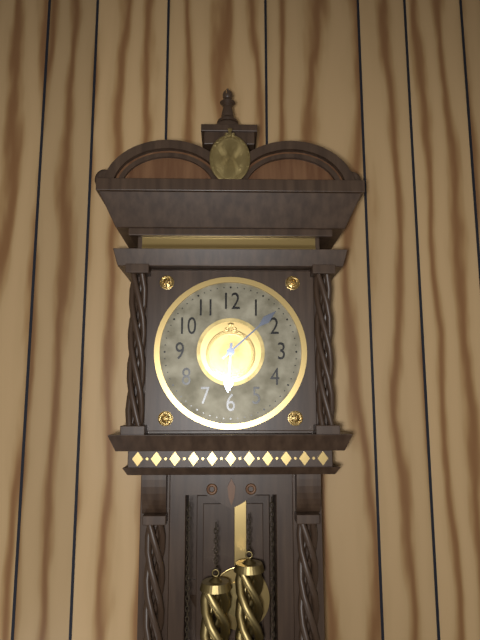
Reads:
6,08
